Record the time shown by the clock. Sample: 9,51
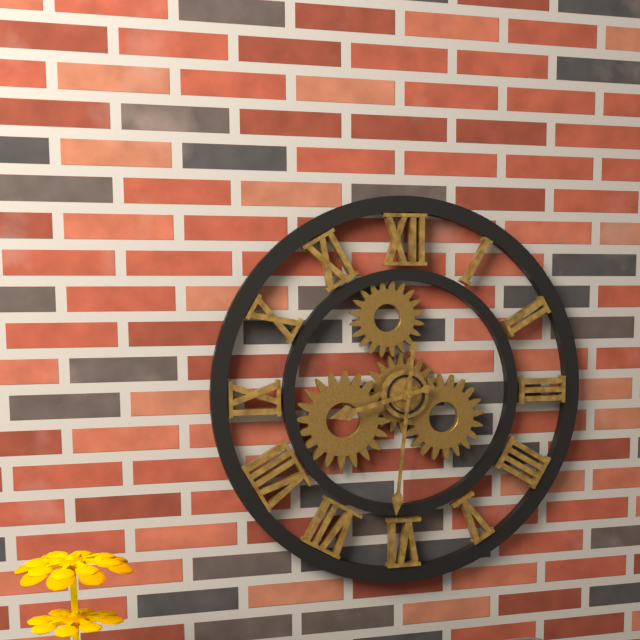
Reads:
8,31
